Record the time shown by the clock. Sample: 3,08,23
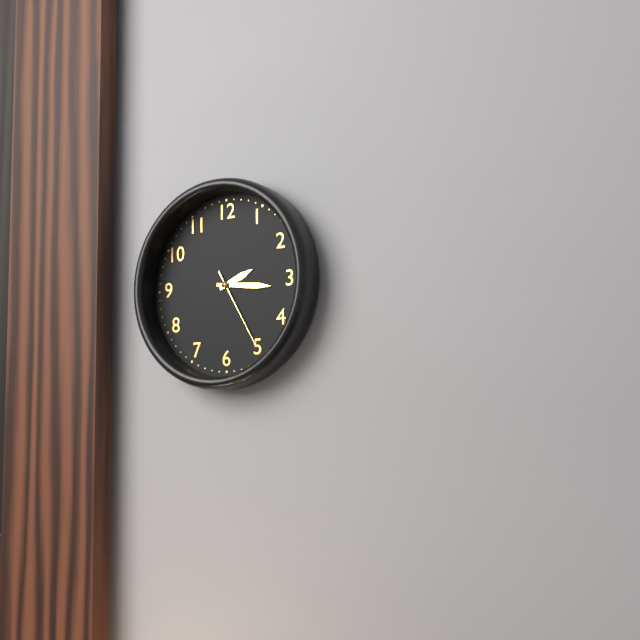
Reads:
2,16,25
